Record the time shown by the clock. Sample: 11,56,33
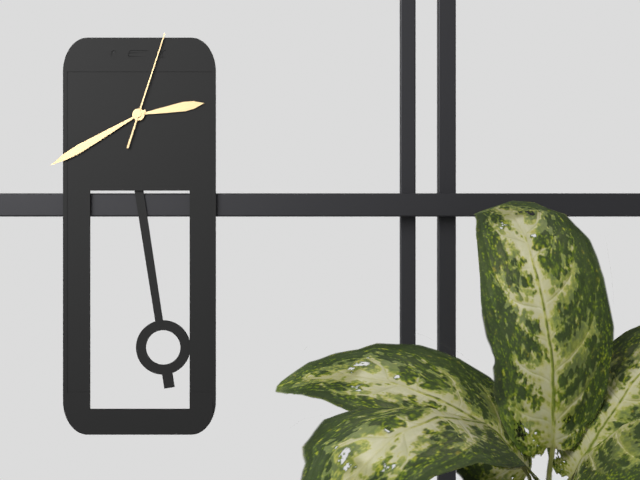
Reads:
2,40,03
